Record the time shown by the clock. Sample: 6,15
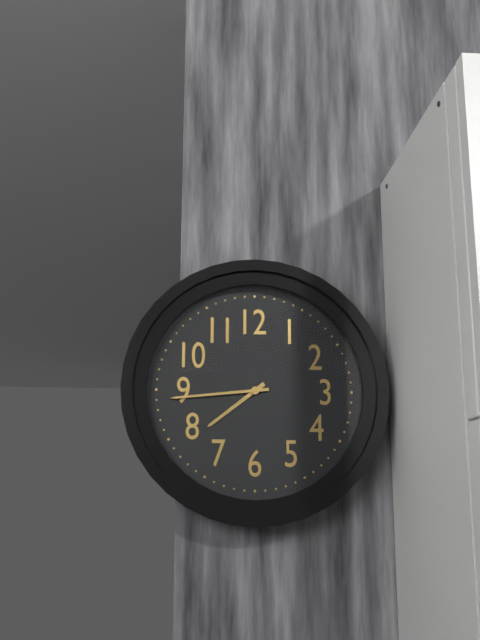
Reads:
7,44
